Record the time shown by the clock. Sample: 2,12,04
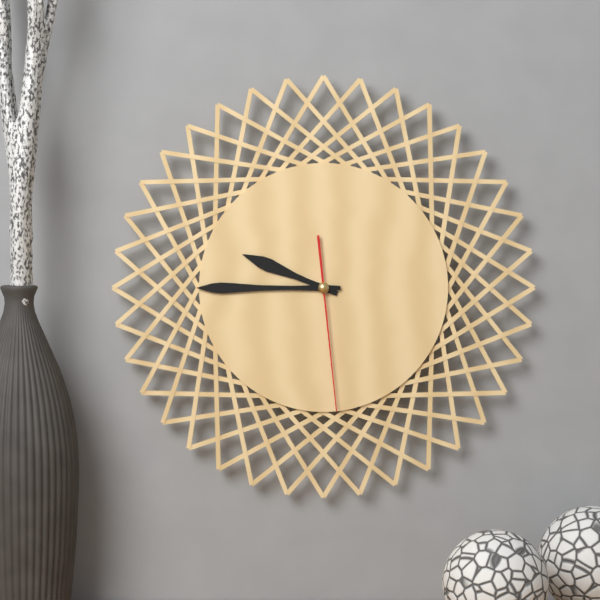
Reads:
9,45,29
